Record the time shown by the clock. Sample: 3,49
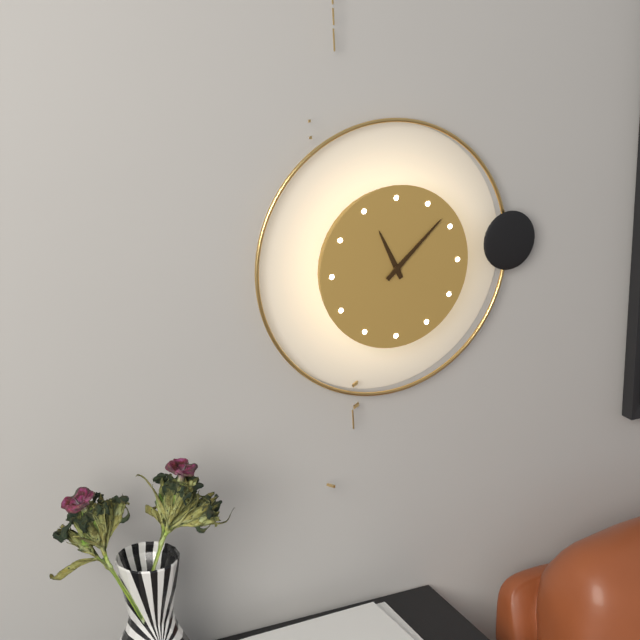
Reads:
11,08
